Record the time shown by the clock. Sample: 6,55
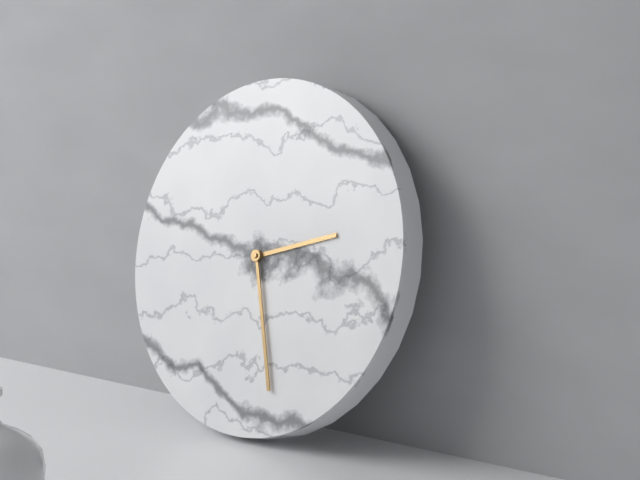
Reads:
2,27
